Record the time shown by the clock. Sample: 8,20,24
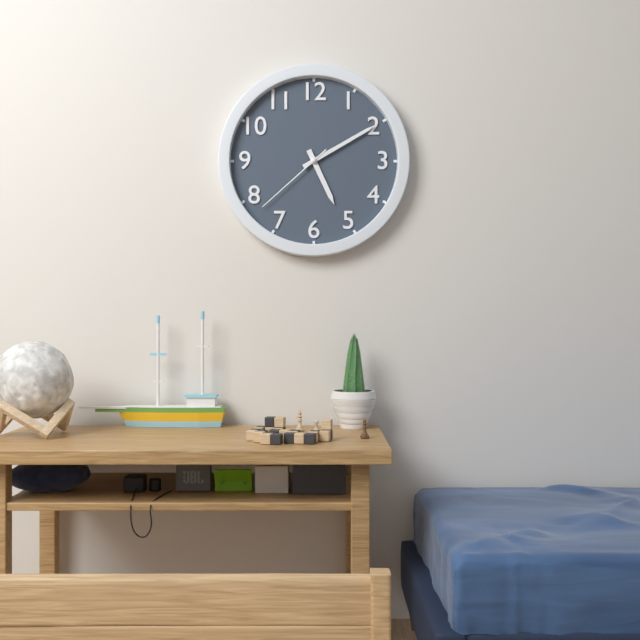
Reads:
5,10,38
